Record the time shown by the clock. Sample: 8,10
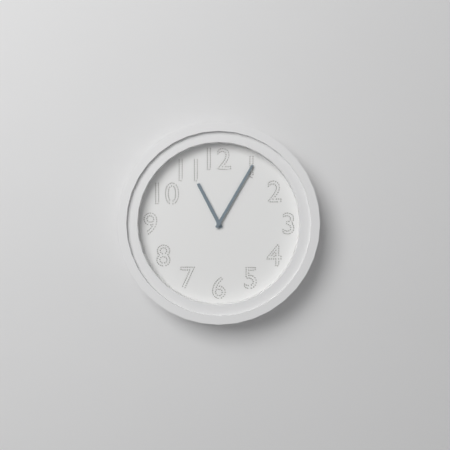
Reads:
11,05
